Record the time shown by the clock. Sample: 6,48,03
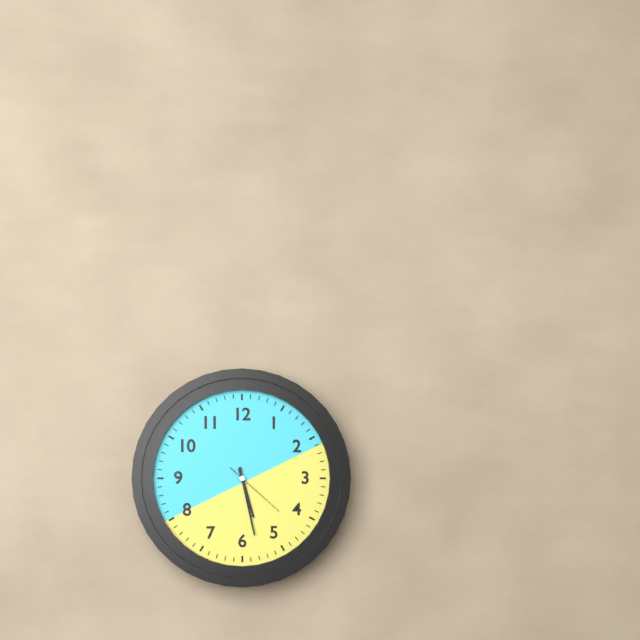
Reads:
5,28,22
